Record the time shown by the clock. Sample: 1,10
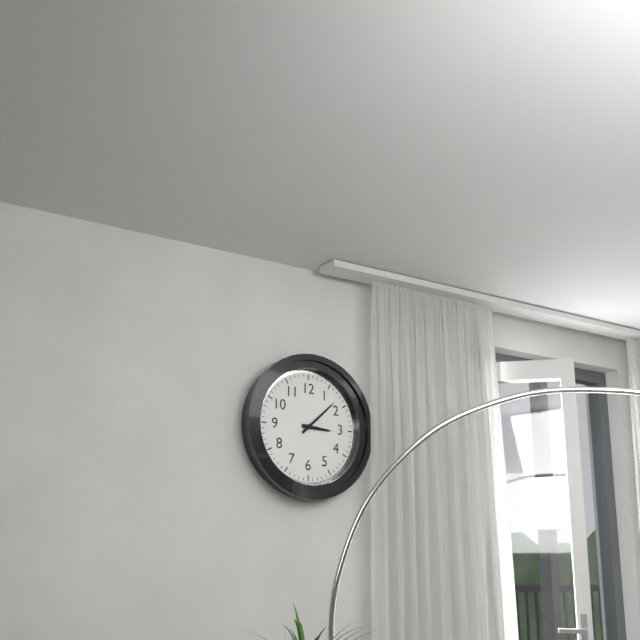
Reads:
3,08
